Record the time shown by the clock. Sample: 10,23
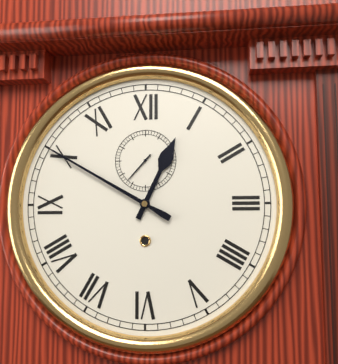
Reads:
12,50
